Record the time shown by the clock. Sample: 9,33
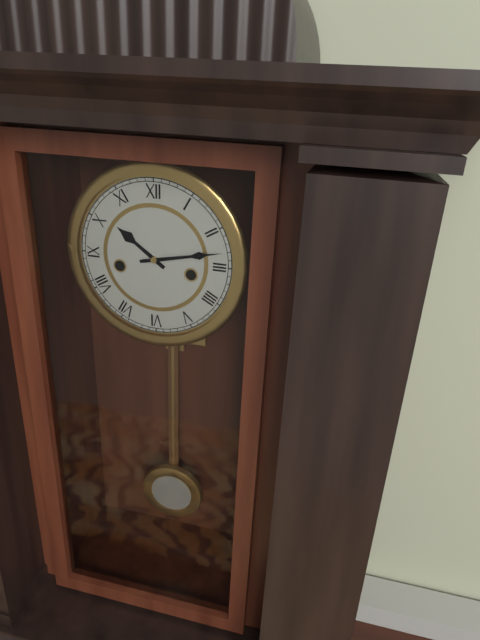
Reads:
10,13
